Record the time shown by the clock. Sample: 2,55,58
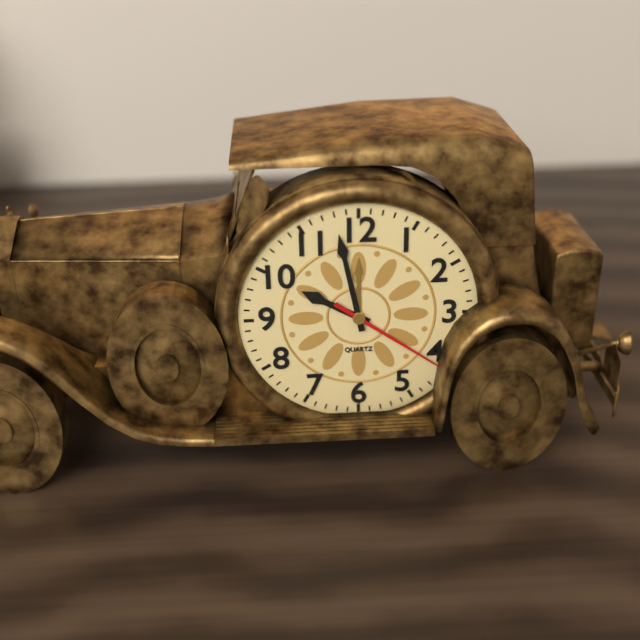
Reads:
9,58,21
